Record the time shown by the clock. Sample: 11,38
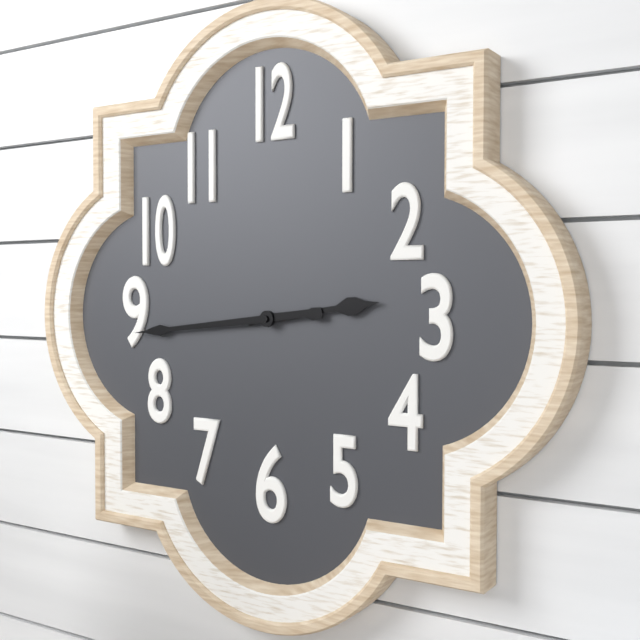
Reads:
2,44
